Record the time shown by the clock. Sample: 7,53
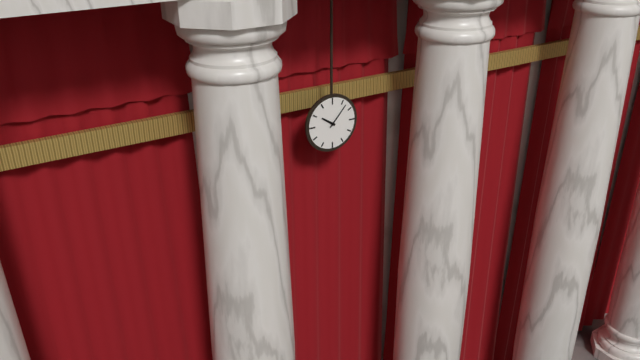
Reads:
10,07
